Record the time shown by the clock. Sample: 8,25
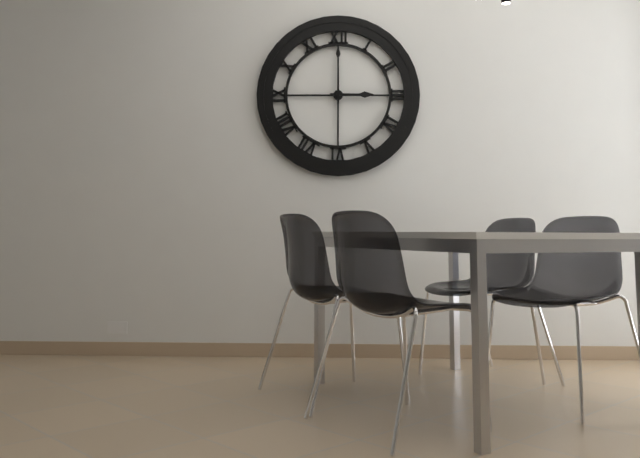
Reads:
3,00
